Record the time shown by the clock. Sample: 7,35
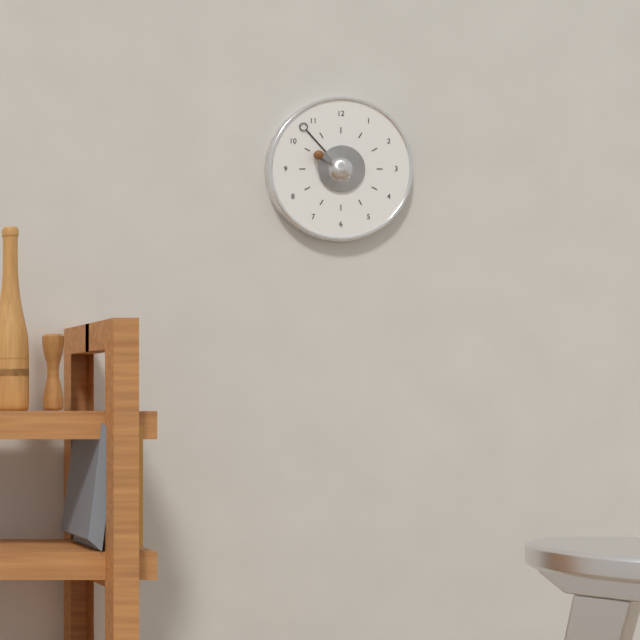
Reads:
9,53
